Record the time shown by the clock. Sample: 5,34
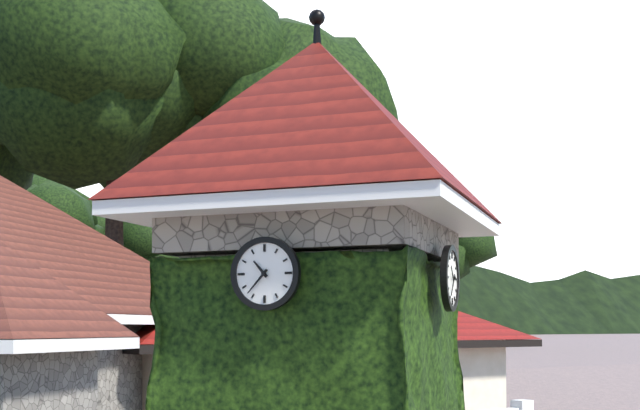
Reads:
10,37
